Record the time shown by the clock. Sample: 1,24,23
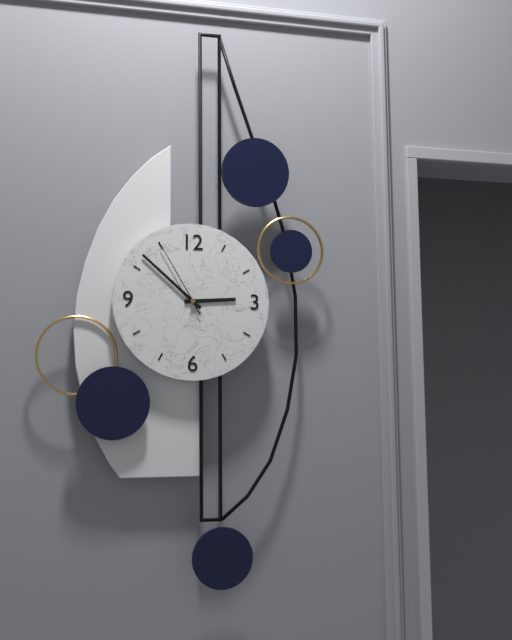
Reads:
2,52,55
